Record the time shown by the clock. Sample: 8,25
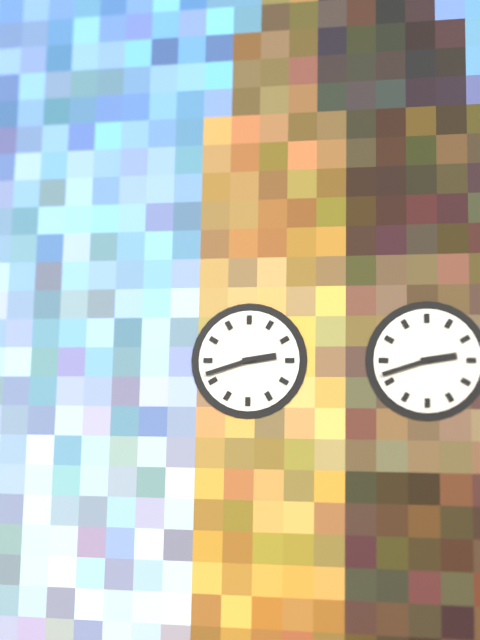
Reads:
2,42
